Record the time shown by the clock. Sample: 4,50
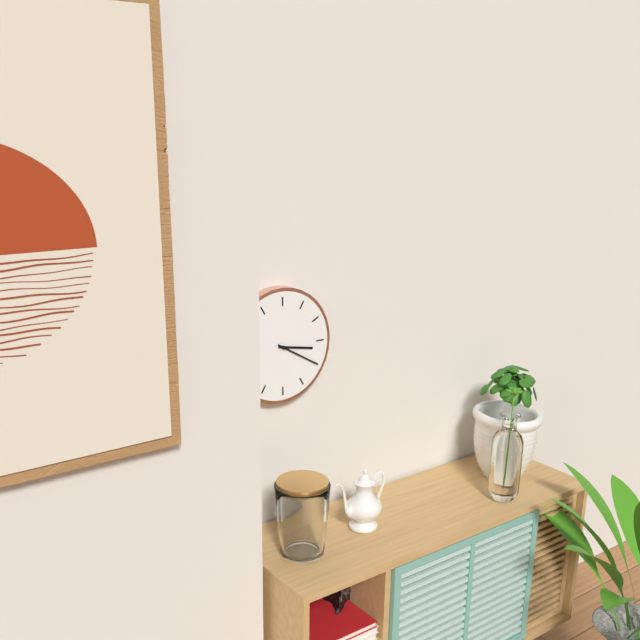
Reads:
3,20
